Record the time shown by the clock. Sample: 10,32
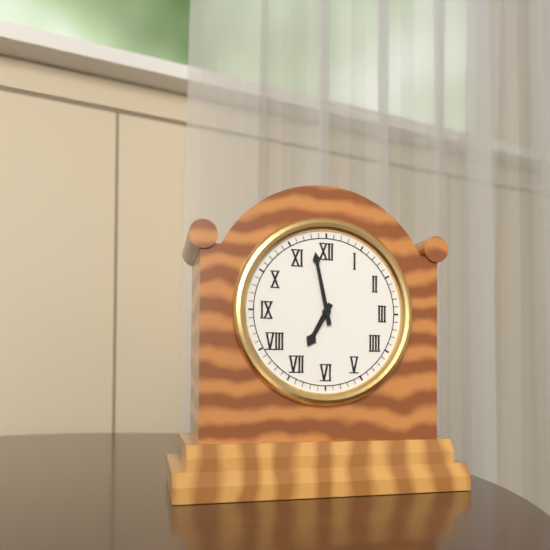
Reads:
6,58
